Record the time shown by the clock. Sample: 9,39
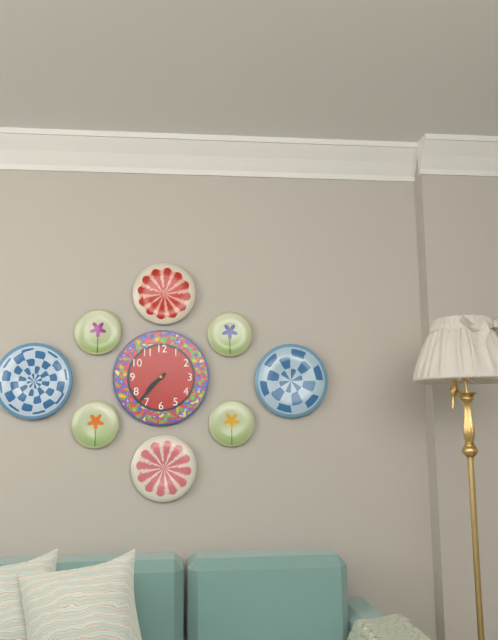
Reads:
7,37
